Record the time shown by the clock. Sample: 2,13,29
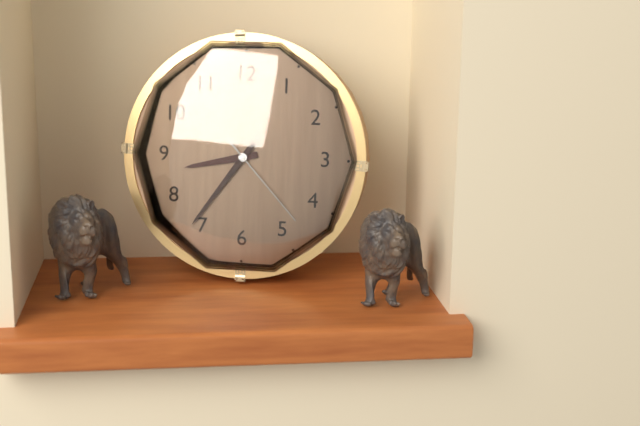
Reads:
8,36,23
